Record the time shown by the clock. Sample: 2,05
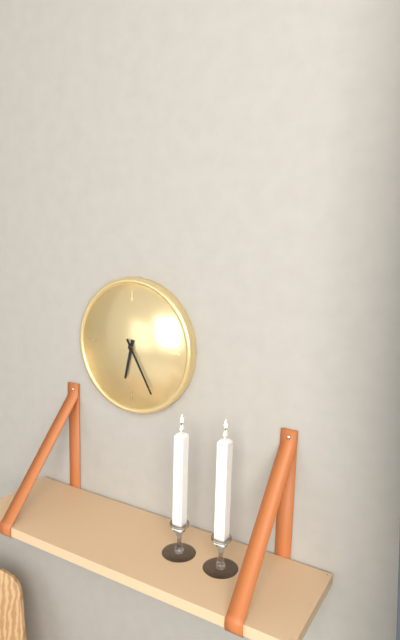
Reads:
6,25
